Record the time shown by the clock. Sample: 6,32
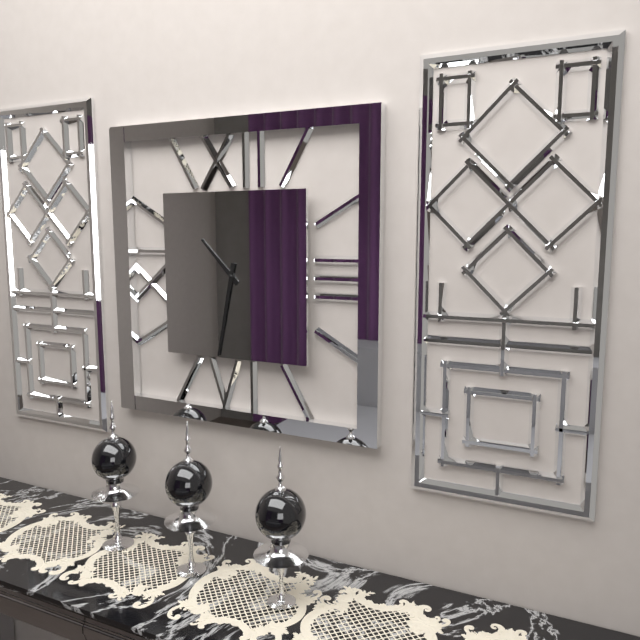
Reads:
10,32
